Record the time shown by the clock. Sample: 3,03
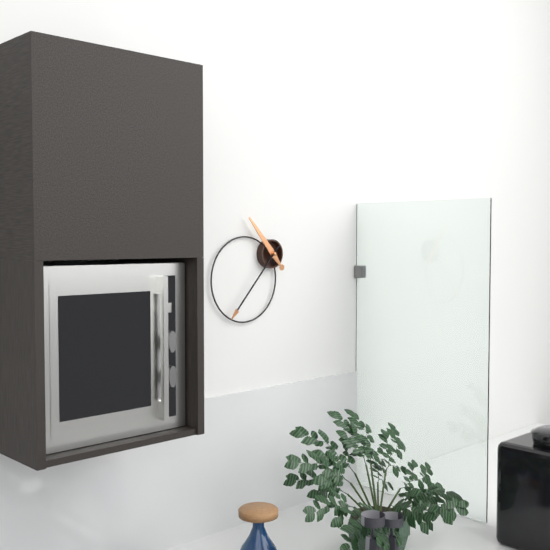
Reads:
10,37
